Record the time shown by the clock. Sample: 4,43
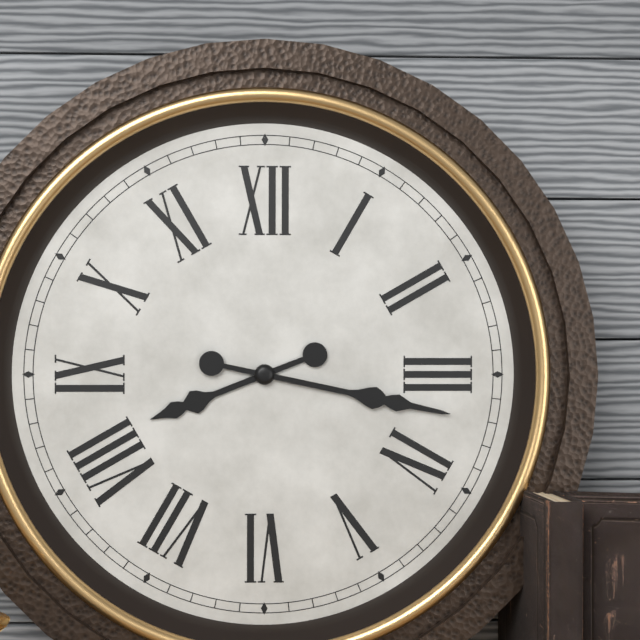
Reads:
8,17
